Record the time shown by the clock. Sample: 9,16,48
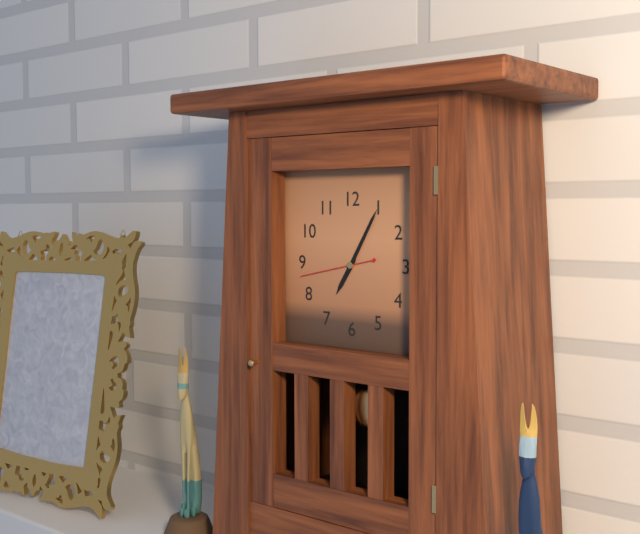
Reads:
7,05,43
